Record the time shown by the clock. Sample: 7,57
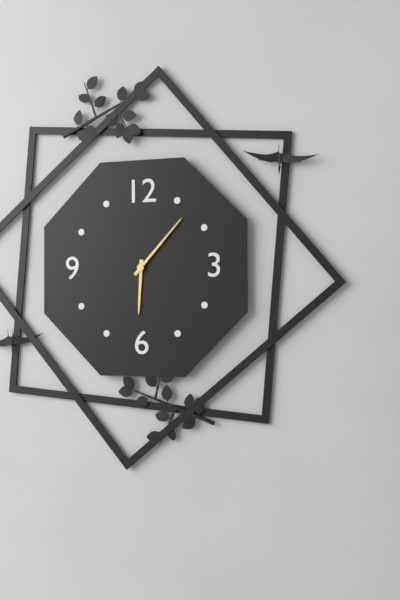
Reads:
6,07
